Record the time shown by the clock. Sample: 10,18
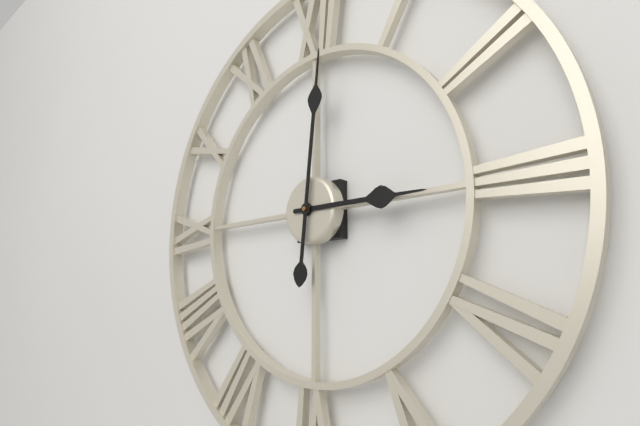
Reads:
3,01
